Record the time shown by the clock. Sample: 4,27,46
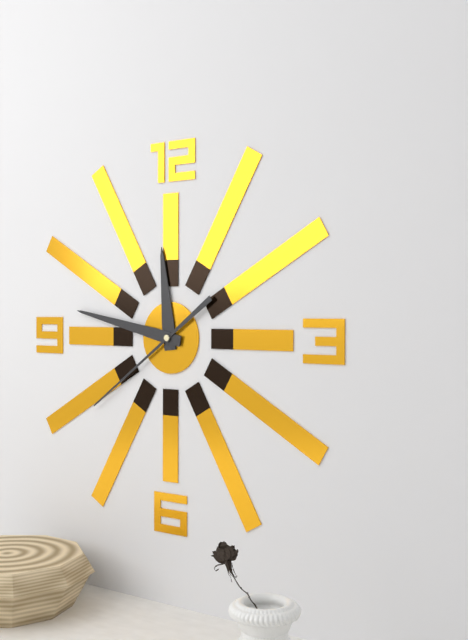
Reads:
11,47,39
